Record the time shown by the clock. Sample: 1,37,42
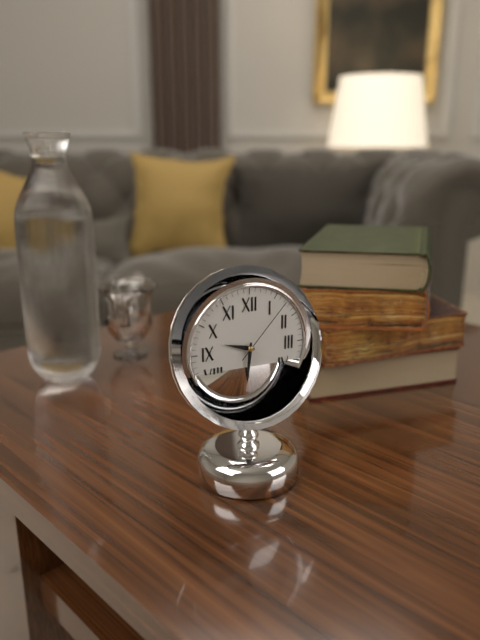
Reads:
9,31,07
